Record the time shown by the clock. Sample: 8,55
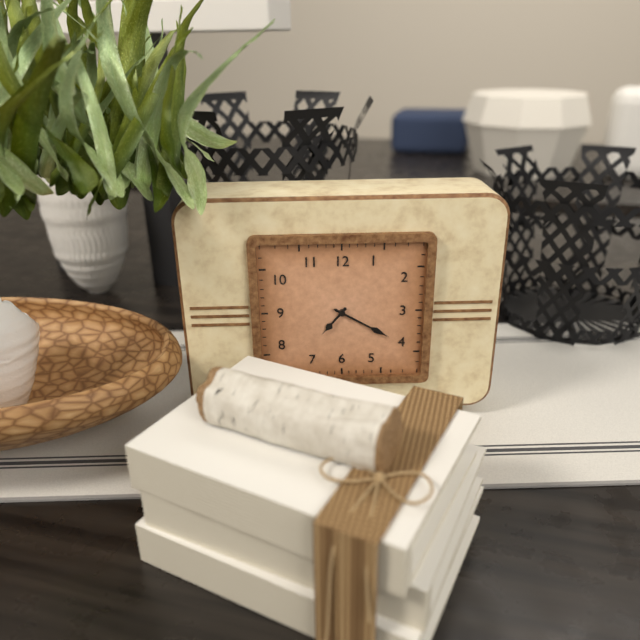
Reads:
7,20
